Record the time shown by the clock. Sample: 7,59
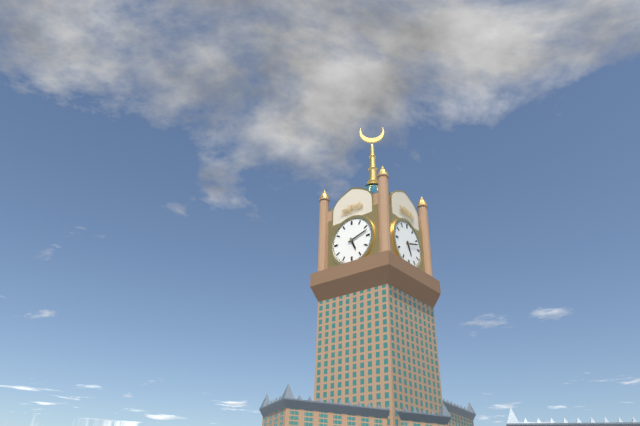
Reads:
5,12
